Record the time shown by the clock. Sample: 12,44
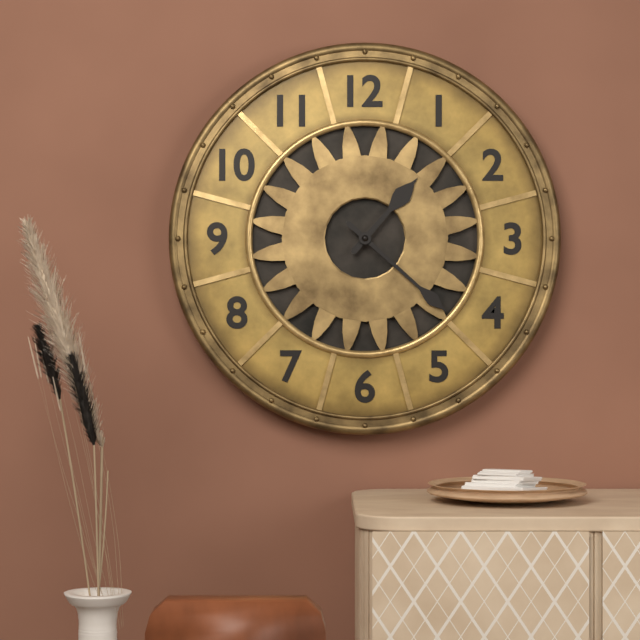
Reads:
1,22
